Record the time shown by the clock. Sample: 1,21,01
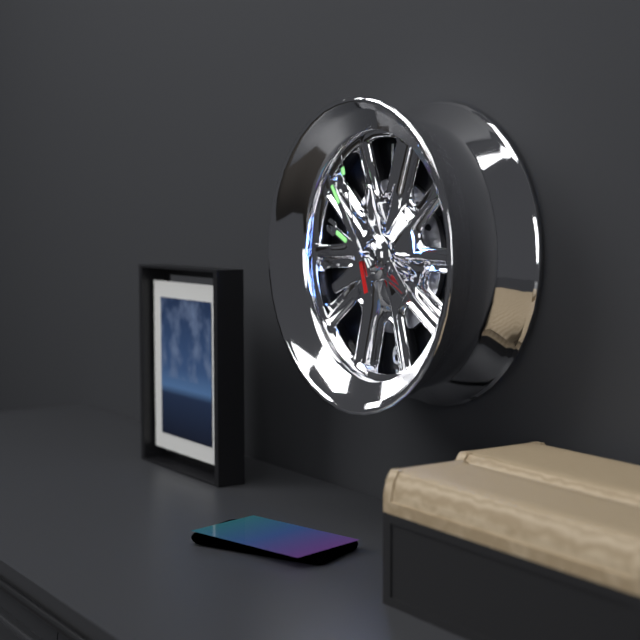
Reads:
9,54,57
